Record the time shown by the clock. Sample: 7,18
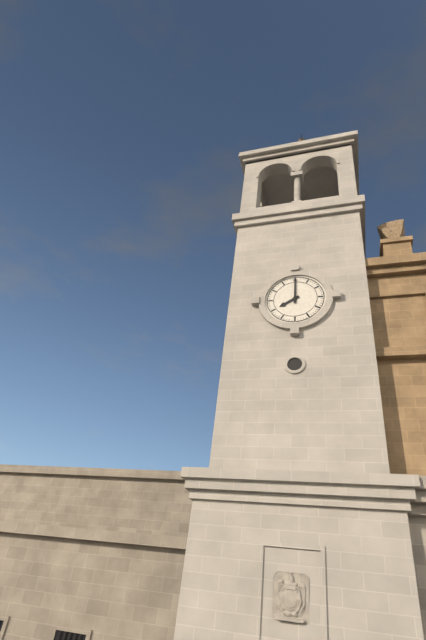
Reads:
8,00
